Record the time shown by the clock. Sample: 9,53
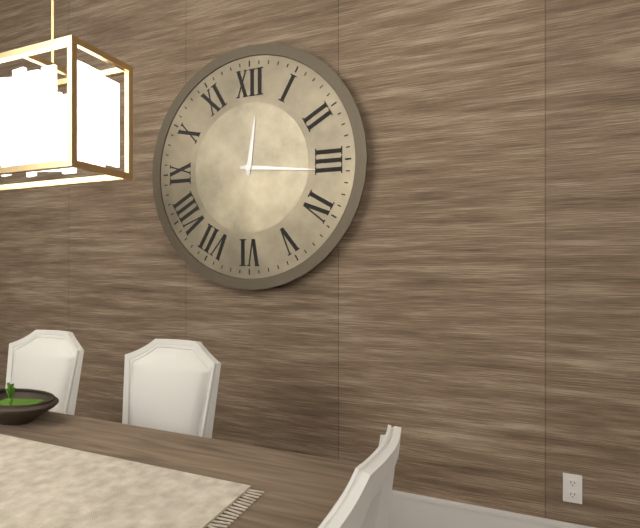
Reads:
12,16
